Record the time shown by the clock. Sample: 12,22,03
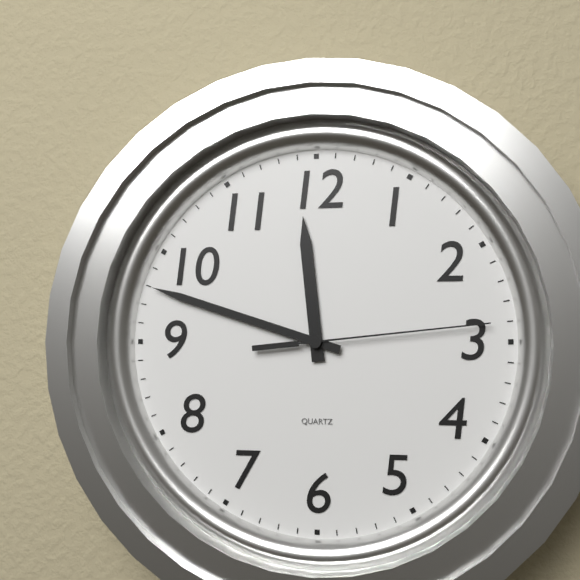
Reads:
11,48,14
